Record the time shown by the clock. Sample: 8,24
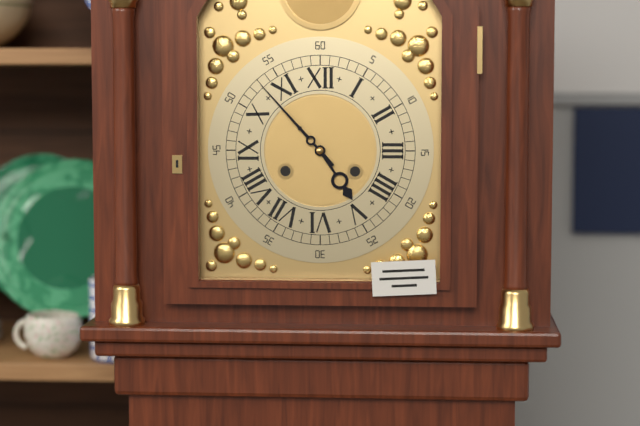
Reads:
4,53
